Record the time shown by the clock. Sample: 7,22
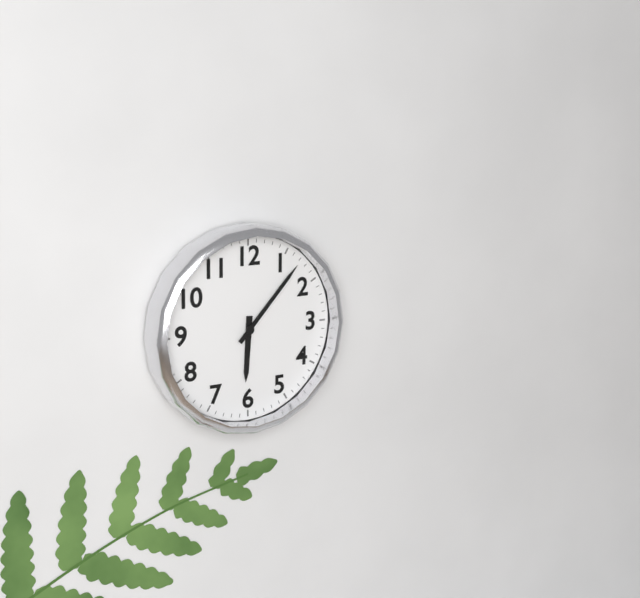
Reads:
6,07
